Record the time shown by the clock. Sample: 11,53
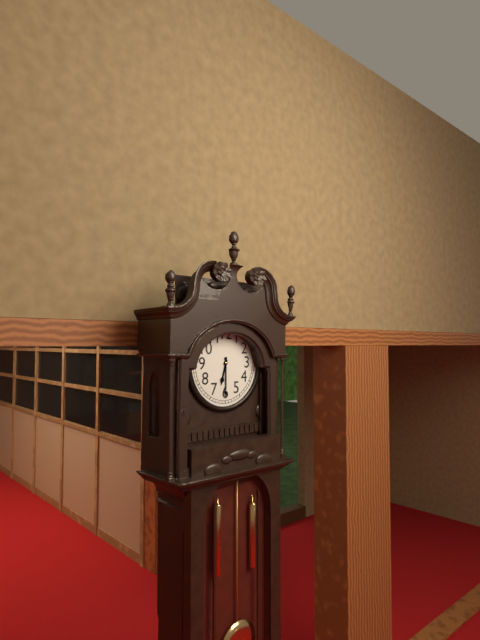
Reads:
6,30
